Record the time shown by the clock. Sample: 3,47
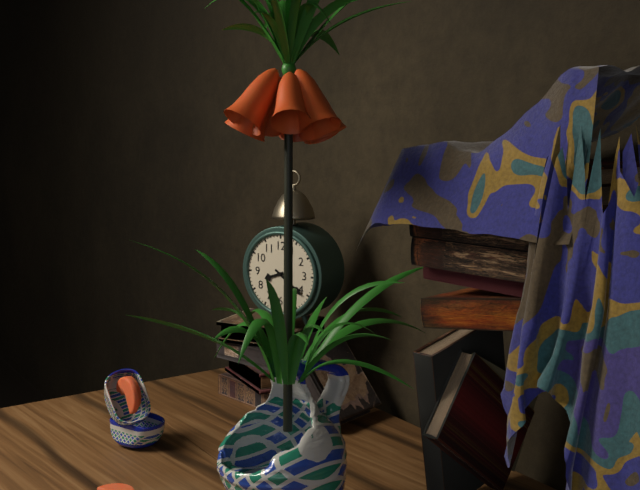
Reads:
8,21
